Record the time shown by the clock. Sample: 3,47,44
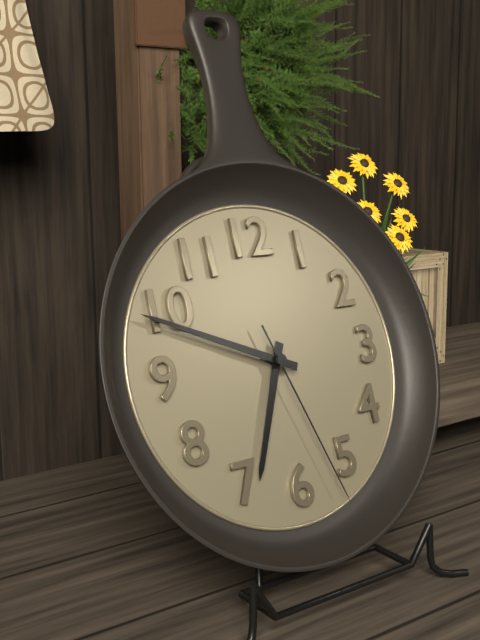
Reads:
6,49,27
